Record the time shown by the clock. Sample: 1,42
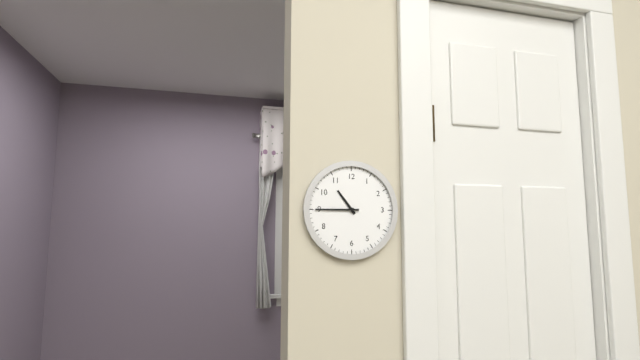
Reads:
10,45
